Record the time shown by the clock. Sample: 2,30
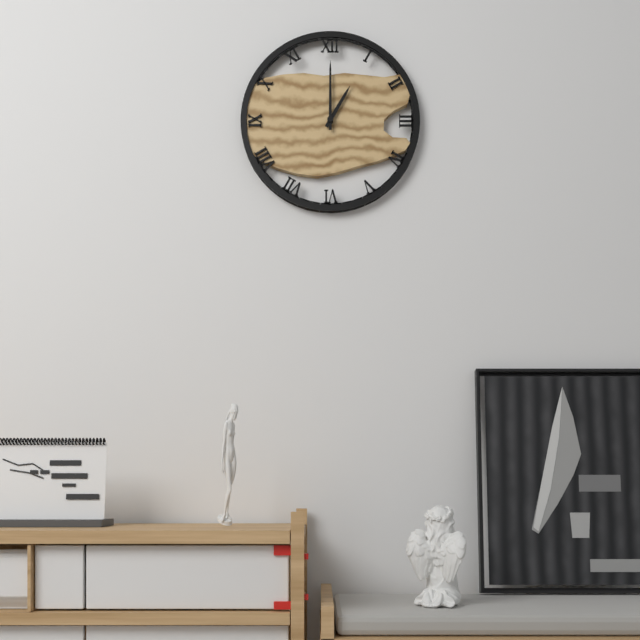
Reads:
1,00
